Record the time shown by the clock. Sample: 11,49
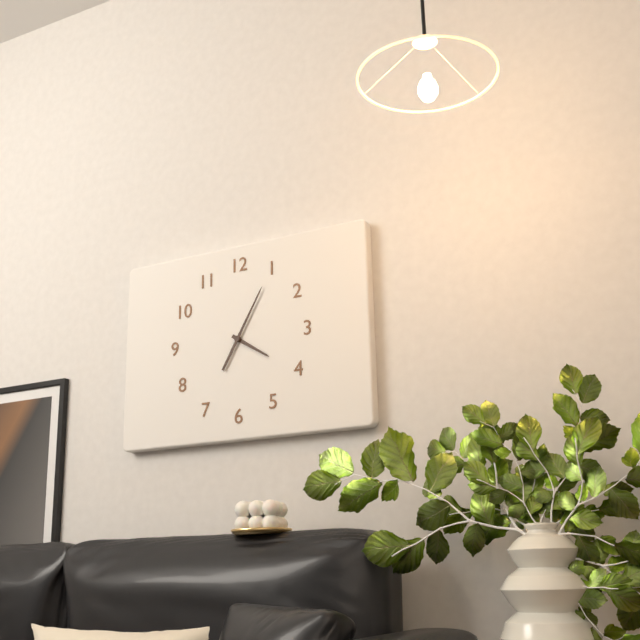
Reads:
4,05
